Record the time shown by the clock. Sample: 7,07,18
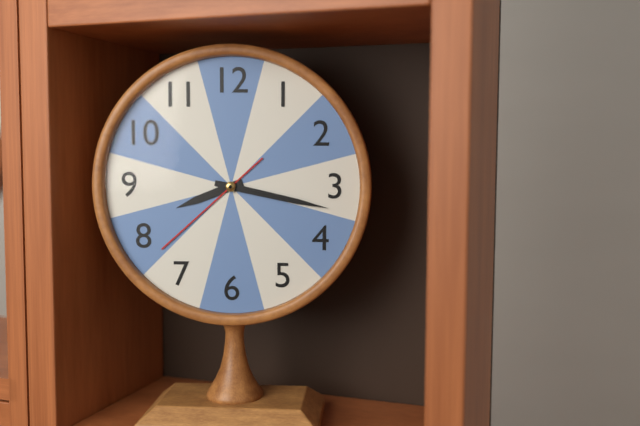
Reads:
8,17,38
